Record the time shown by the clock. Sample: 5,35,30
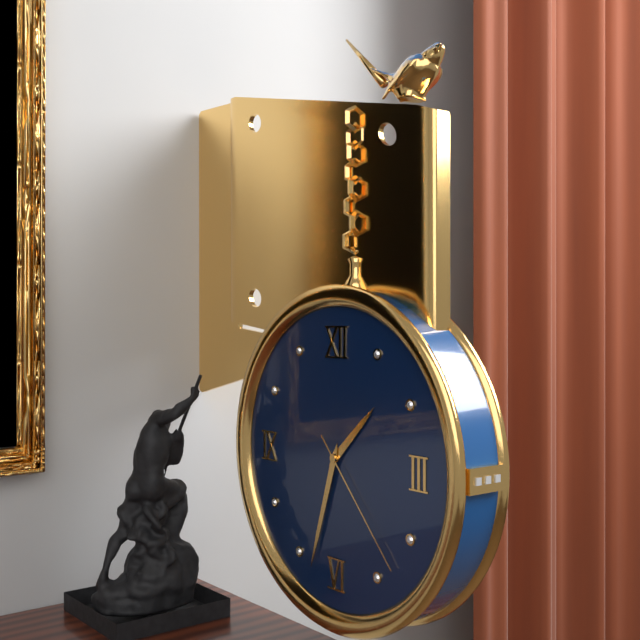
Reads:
1,33,23
